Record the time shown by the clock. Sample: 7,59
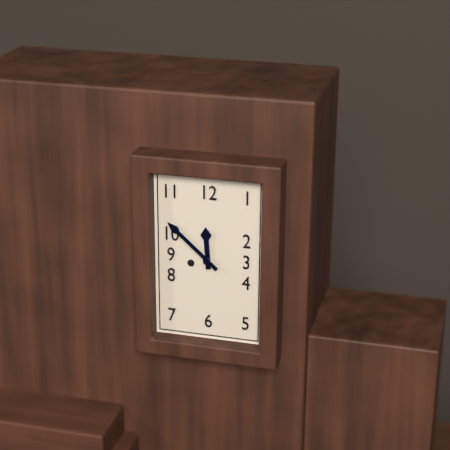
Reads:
11,52
